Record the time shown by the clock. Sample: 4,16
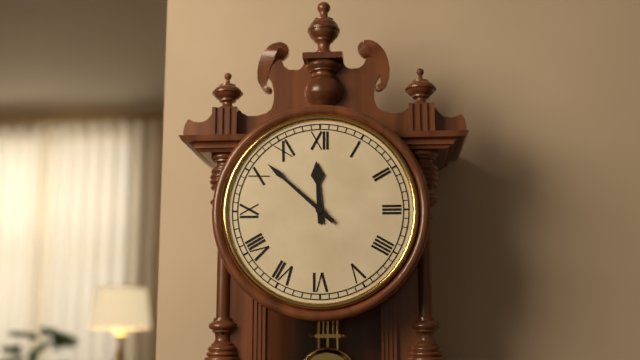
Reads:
11,52
